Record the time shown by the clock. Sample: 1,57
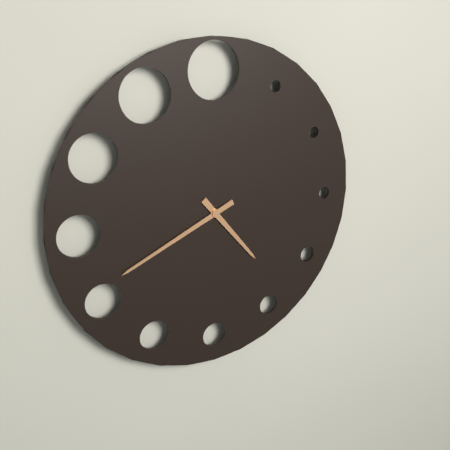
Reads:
4,41
